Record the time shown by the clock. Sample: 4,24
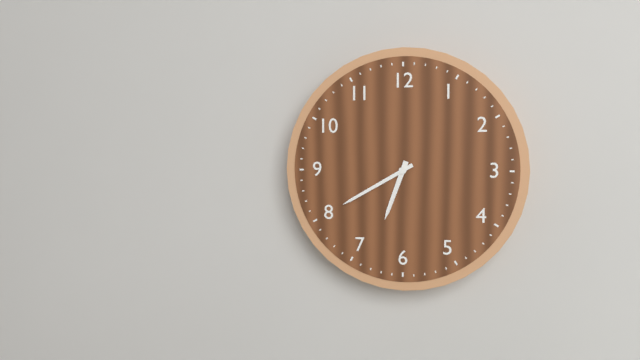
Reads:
6,40
